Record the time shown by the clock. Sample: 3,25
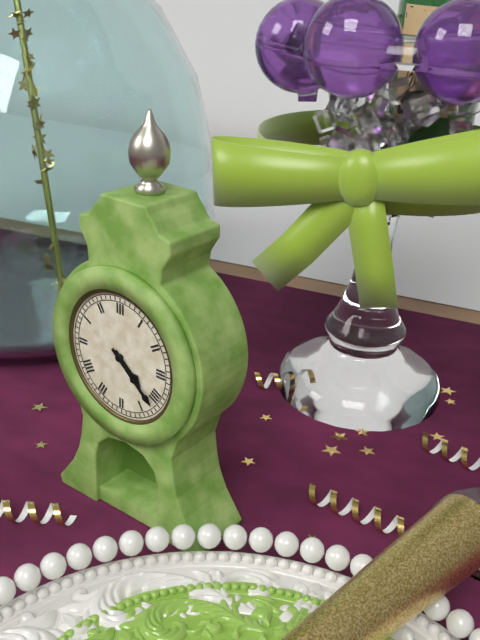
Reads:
4,22
